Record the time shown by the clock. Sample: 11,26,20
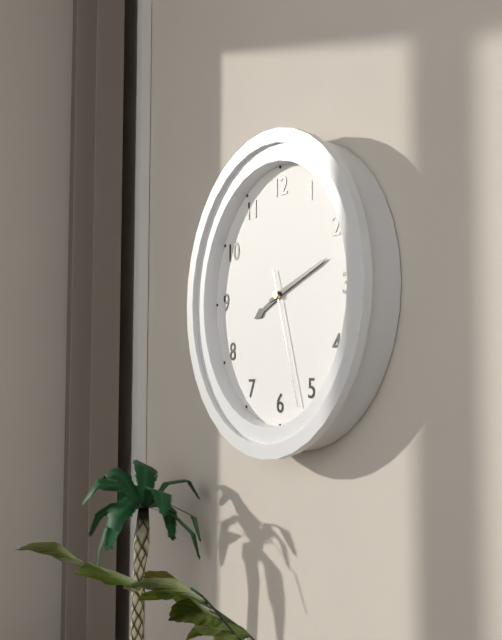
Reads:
8,12,27
